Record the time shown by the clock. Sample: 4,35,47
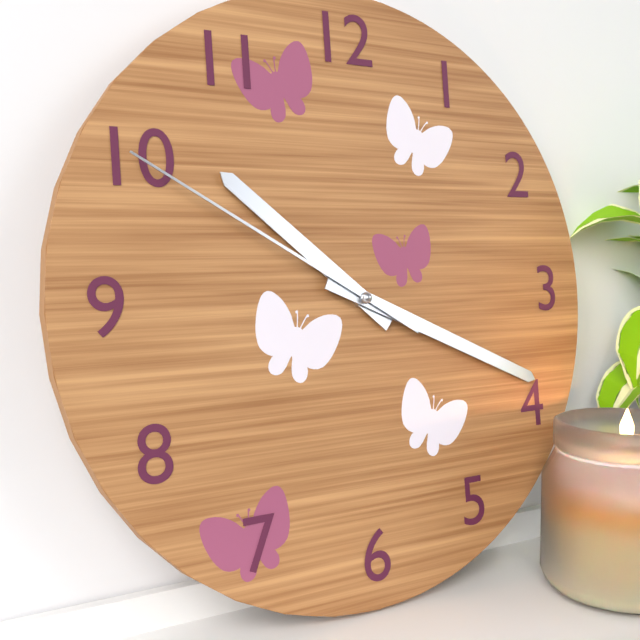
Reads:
10,19,50
